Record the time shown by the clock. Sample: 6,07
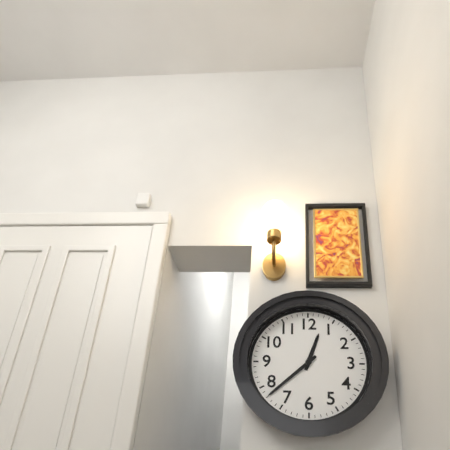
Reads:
12,38
